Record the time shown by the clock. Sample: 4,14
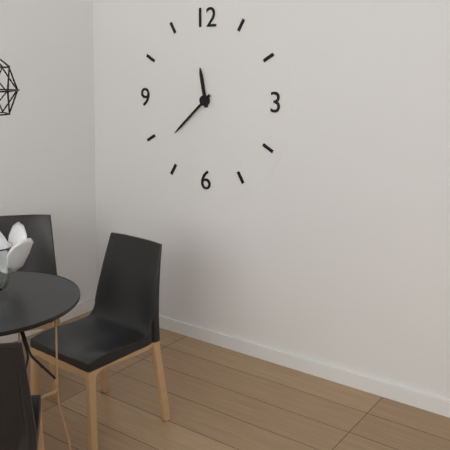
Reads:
11,38
